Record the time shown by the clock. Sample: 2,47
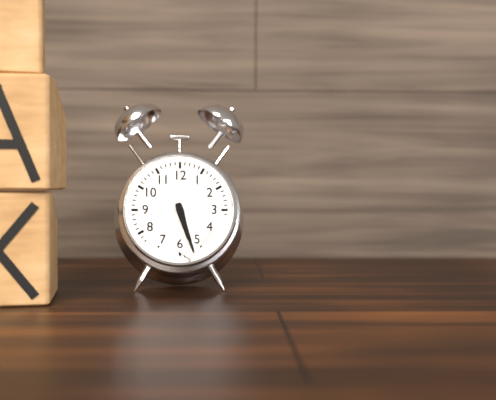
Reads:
5,27
